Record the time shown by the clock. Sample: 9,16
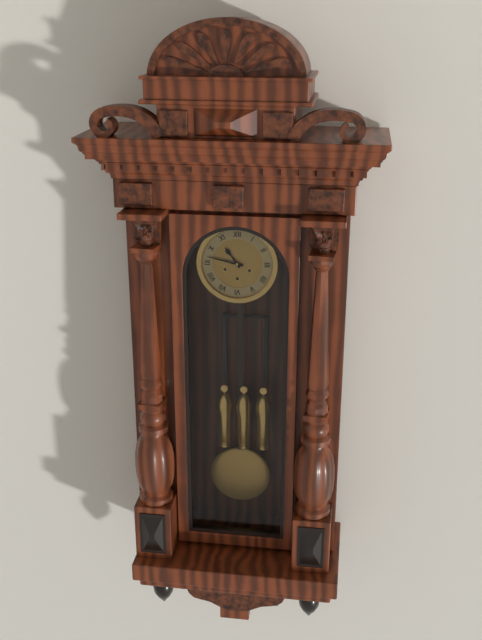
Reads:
10,47
